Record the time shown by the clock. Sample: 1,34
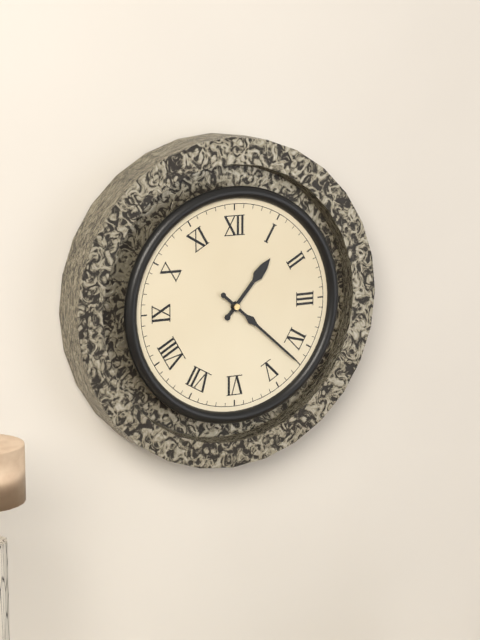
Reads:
1,22
